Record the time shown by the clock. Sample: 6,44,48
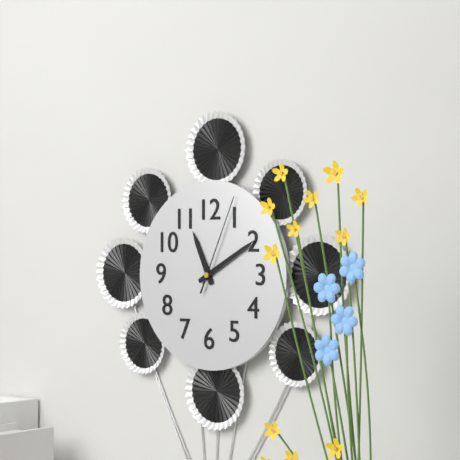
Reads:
11,10,04
